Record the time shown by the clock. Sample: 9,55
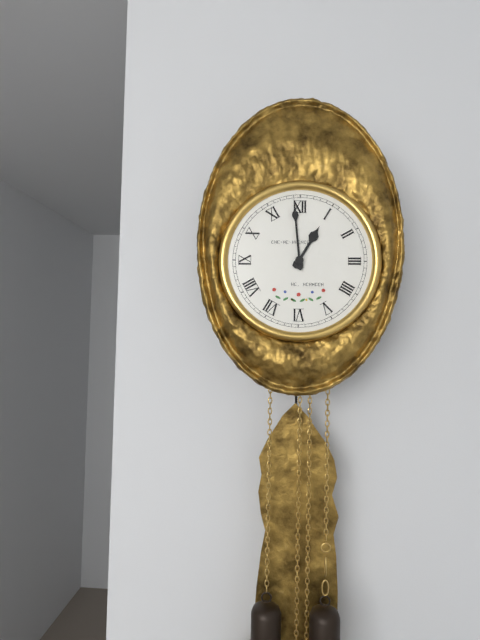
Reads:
12,59
